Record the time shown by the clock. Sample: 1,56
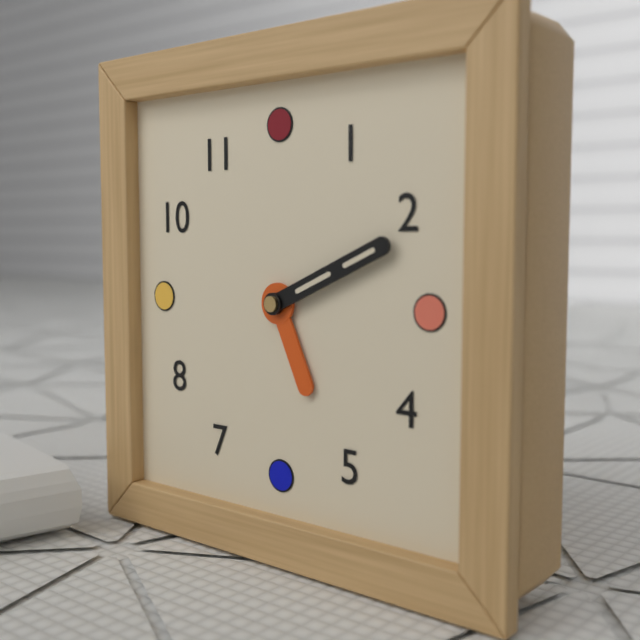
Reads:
5,11
